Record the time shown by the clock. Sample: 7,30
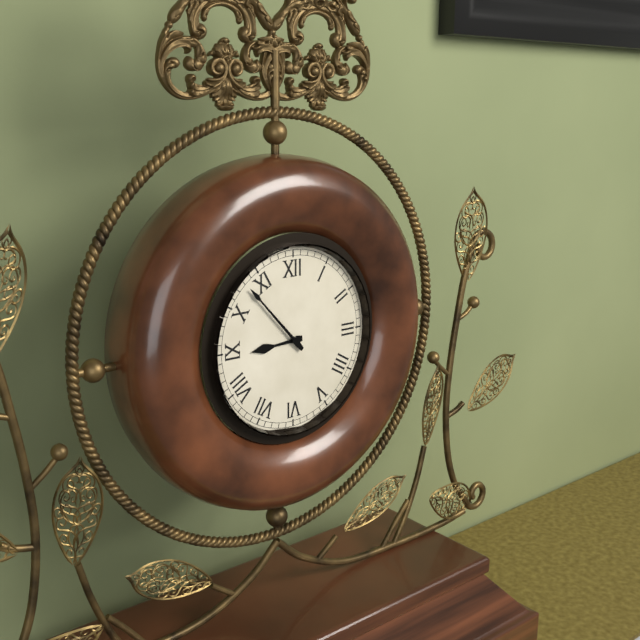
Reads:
8,53
